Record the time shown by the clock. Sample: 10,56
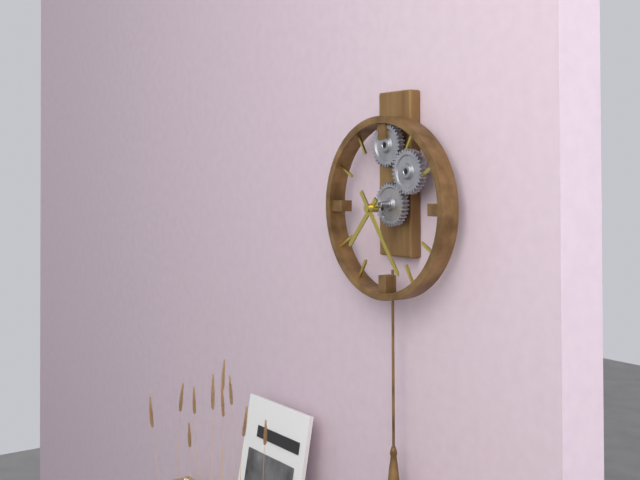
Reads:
7,24
